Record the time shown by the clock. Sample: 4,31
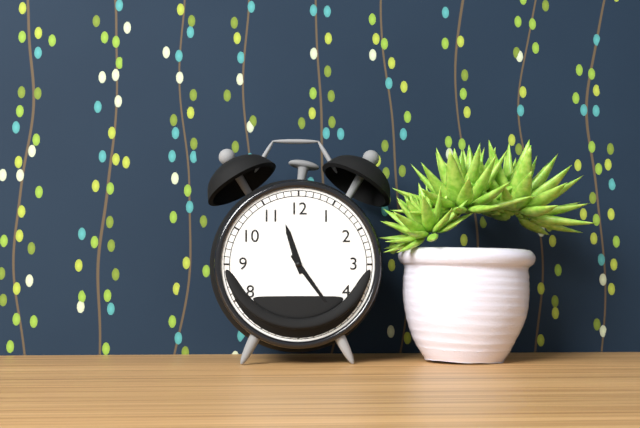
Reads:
11,24
